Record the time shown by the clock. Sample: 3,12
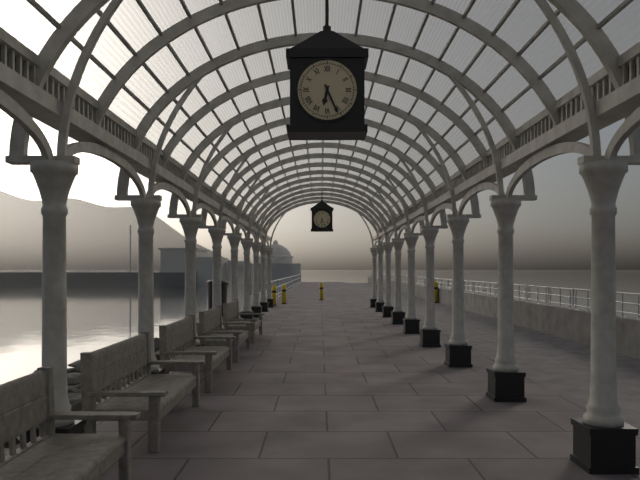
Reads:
6,26
